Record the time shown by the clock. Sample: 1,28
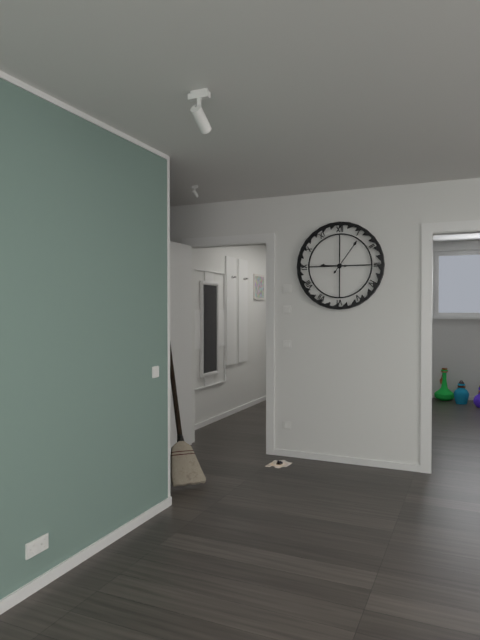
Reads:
9,06
